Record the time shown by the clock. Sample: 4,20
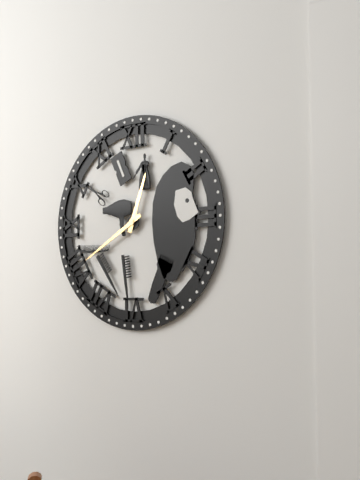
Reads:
12,40
